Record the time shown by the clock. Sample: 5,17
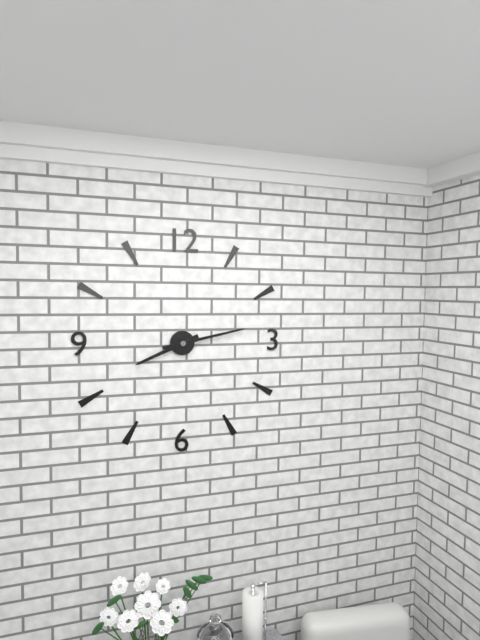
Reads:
8,13
